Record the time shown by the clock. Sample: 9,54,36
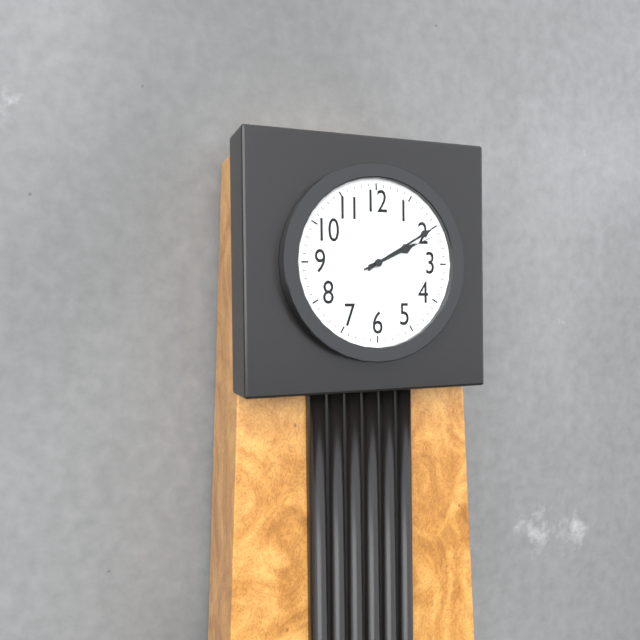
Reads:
2,10,11
